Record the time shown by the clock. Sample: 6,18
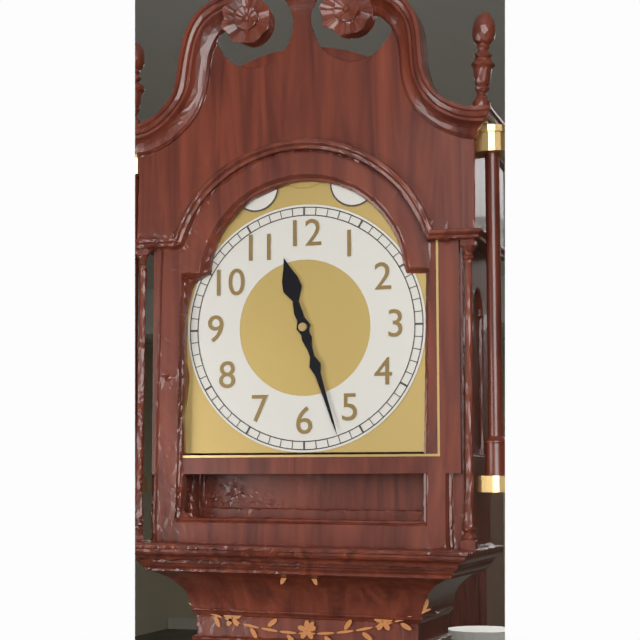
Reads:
11,27
